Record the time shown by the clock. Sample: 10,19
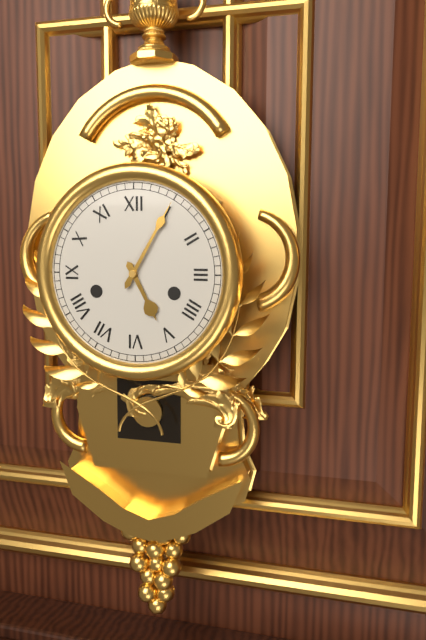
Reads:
5,05
